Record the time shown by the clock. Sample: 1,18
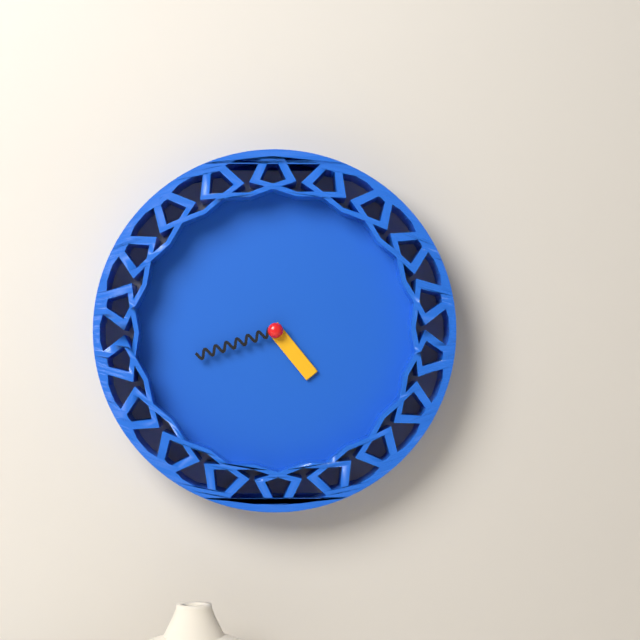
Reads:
4,42
